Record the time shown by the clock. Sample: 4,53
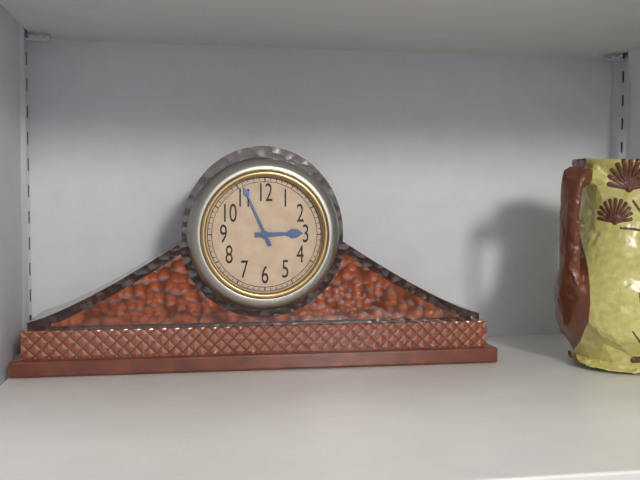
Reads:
2,56
